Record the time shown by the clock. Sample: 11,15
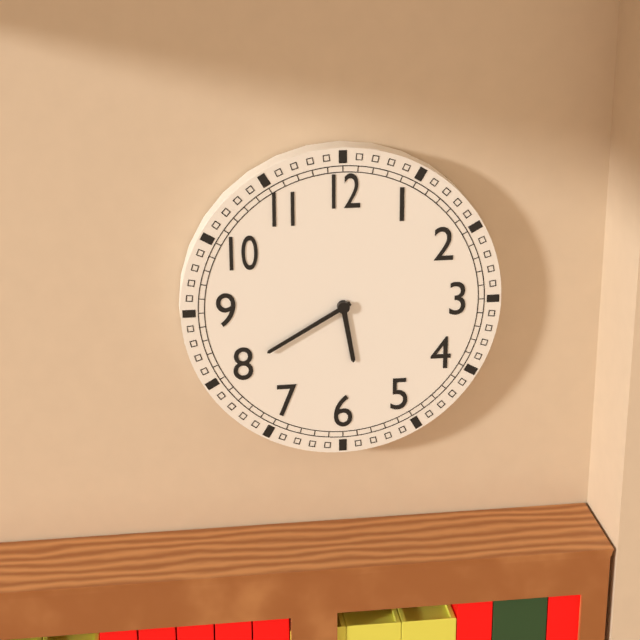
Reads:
5,40
